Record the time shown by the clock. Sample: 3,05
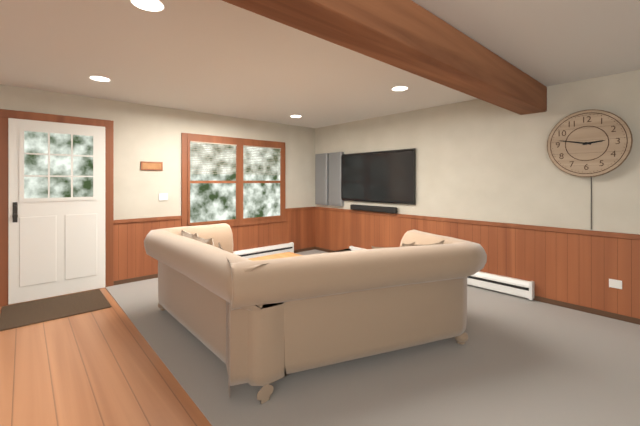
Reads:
2,47
